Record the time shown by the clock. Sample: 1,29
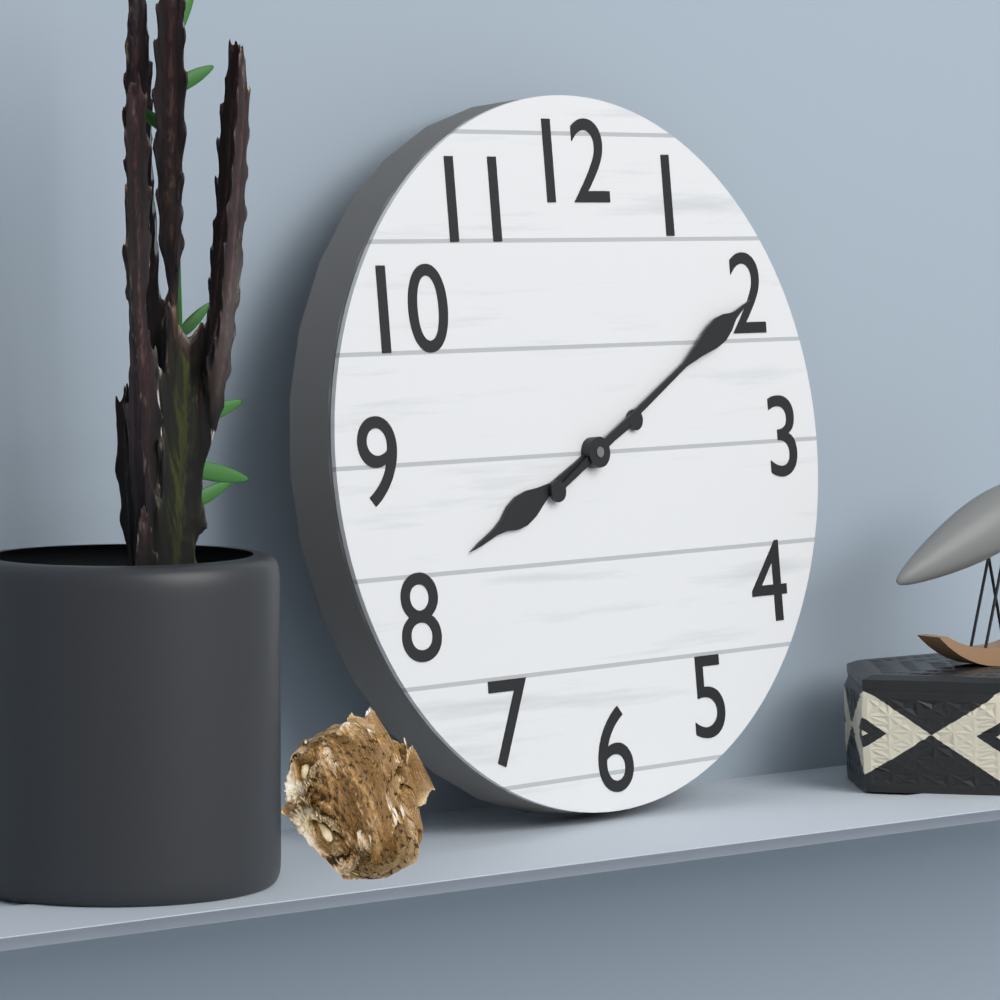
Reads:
8,10
